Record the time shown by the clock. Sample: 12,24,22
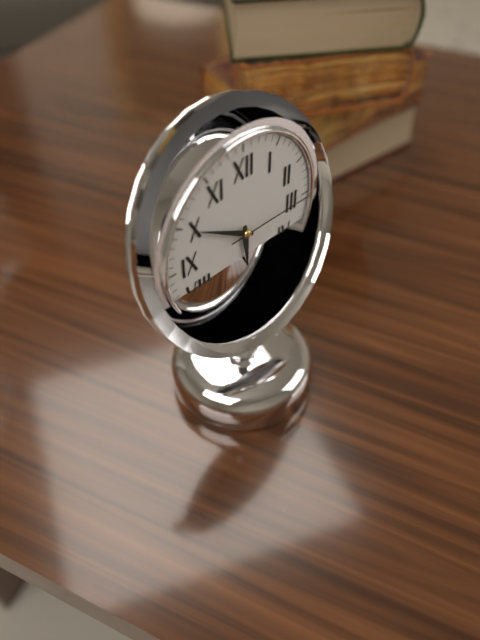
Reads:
5,50,15
